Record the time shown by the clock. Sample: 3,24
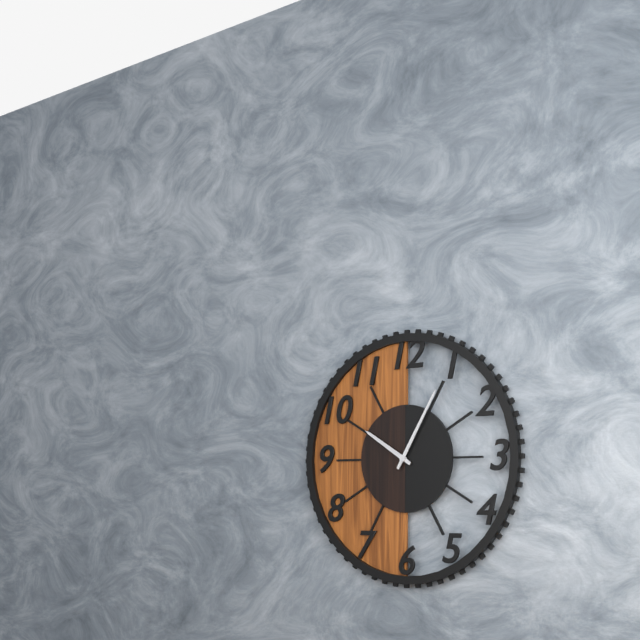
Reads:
10,05
